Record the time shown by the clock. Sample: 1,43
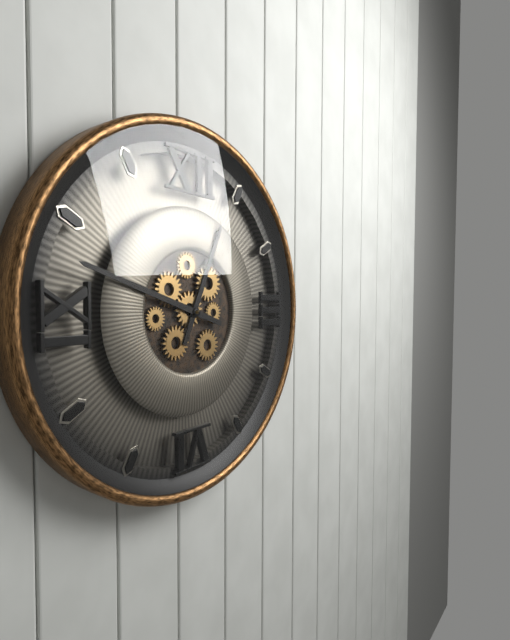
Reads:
12,48
